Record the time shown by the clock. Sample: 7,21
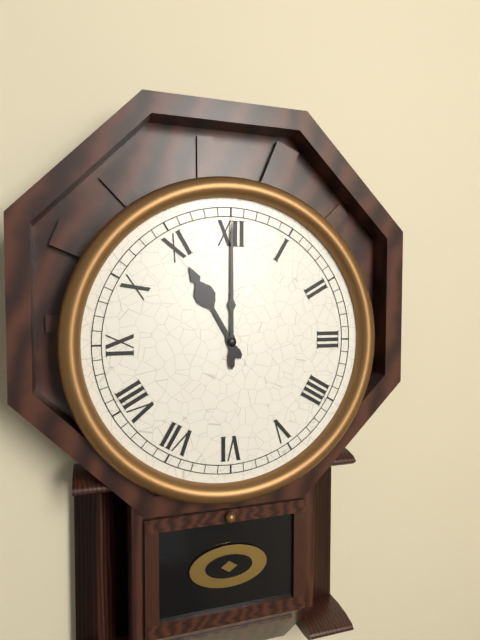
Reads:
11,00
